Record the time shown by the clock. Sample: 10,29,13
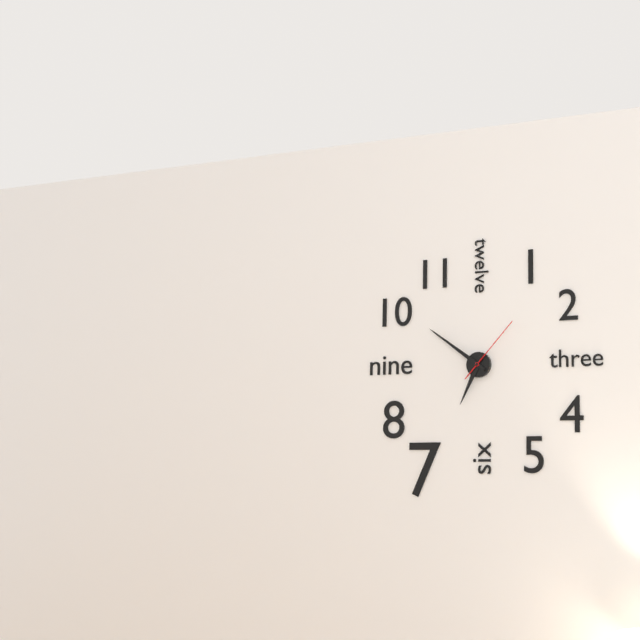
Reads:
6,51,07
